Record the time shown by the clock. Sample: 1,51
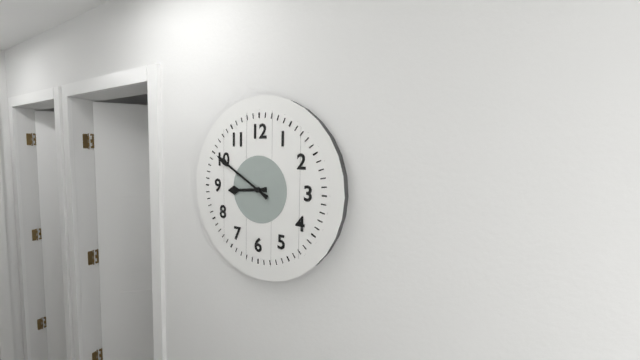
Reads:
8,50
